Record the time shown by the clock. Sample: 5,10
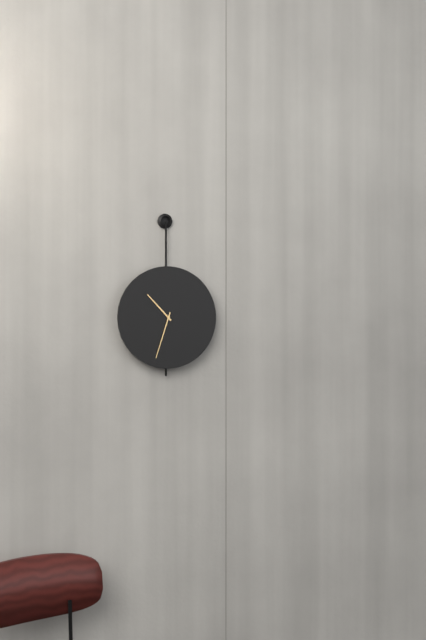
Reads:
10,33
